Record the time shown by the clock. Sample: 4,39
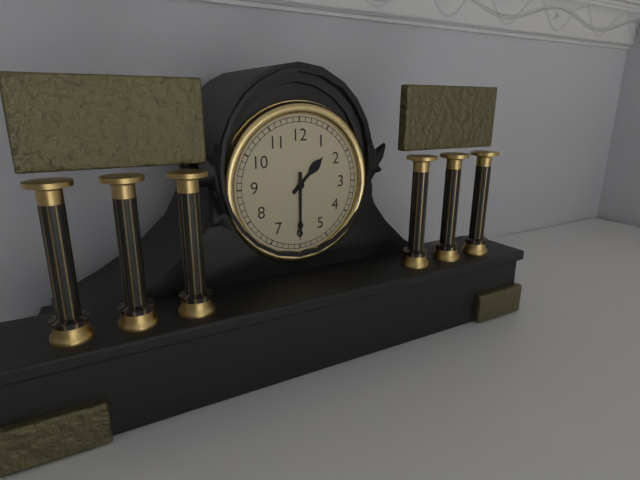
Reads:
1,30
